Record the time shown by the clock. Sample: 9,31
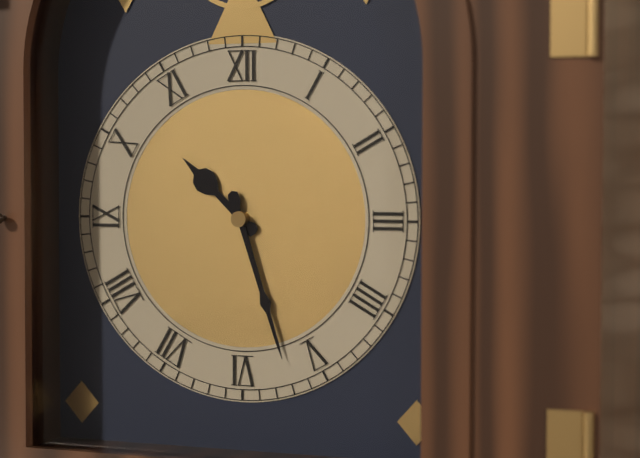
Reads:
10,27
